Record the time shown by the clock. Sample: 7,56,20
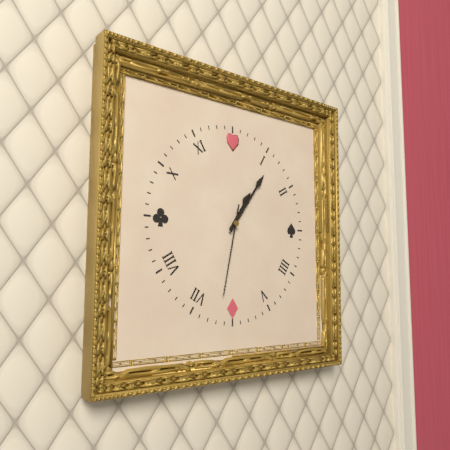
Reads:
1,06,32
